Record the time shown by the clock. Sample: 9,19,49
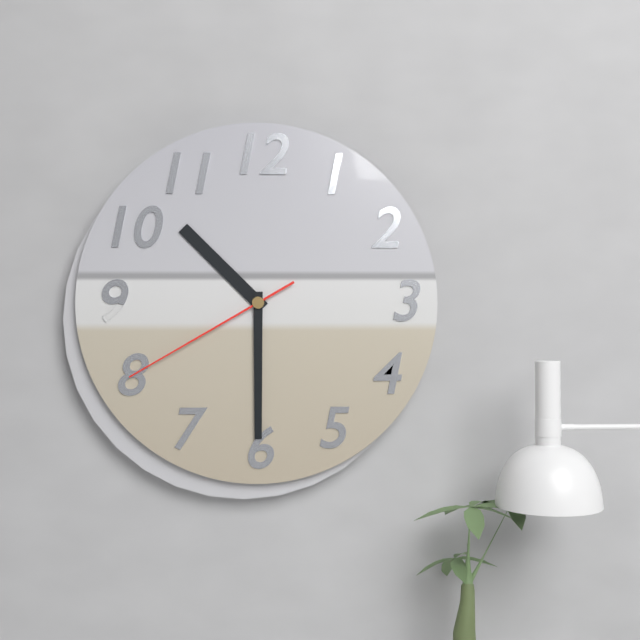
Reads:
10,30,40
